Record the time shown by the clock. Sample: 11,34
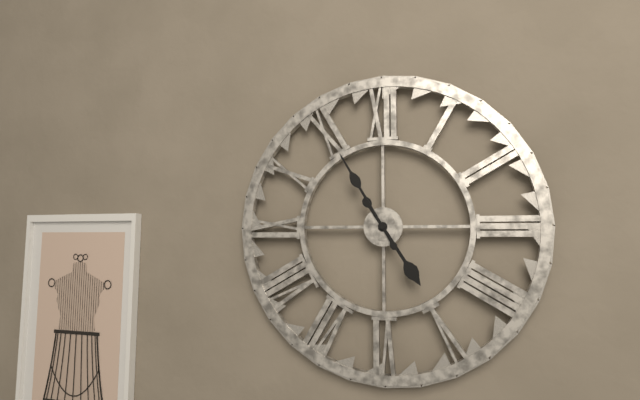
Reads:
4,55
